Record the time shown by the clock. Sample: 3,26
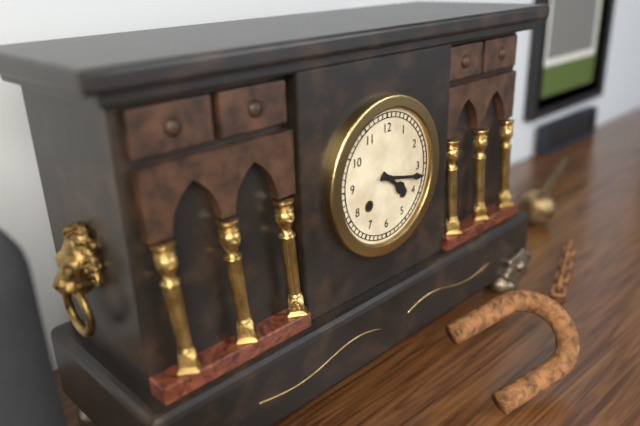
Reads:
4,17
